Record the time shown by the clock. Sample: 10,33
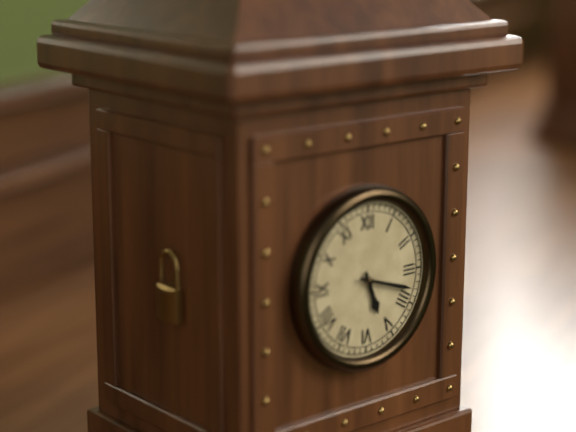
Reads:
5,18
